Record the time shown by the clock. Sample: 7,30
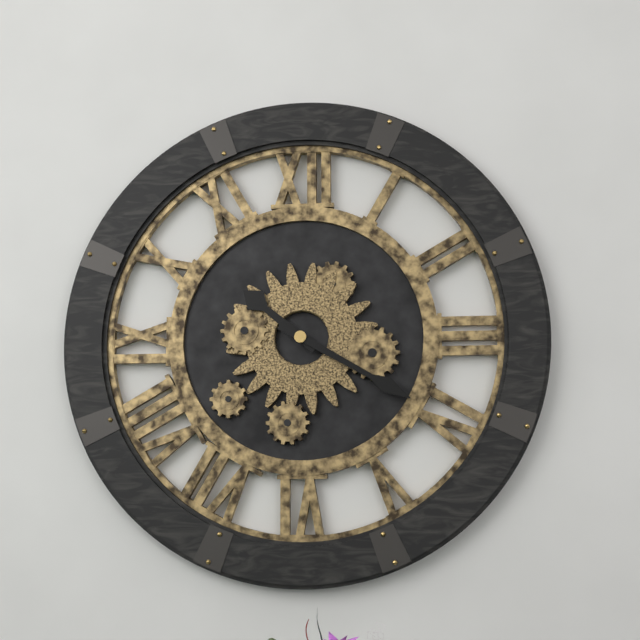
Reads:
10,20
